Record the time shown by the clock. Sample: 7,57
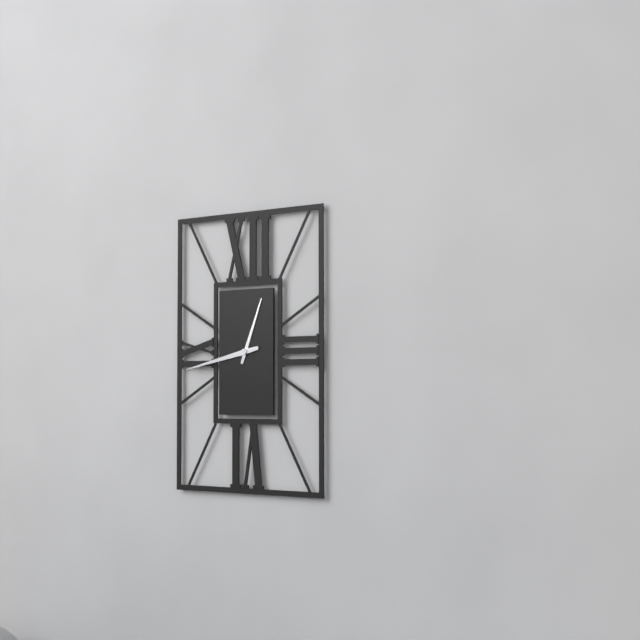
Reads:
12,43
